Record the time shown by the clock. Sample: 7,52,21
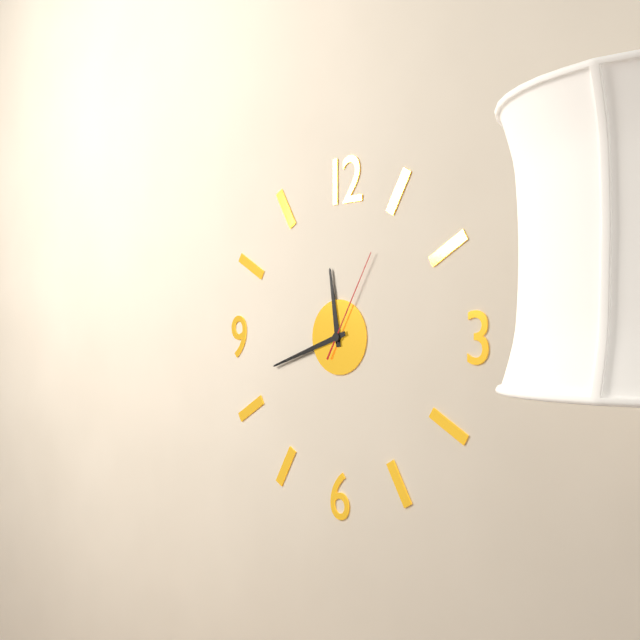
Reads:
11,42,05
